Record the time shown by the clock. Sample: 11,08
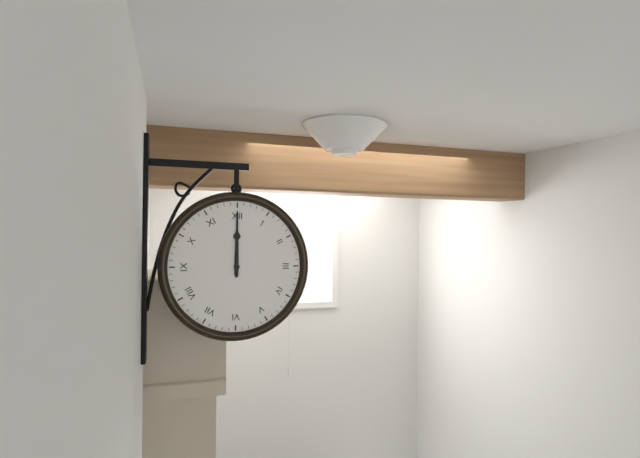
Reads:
12,00
